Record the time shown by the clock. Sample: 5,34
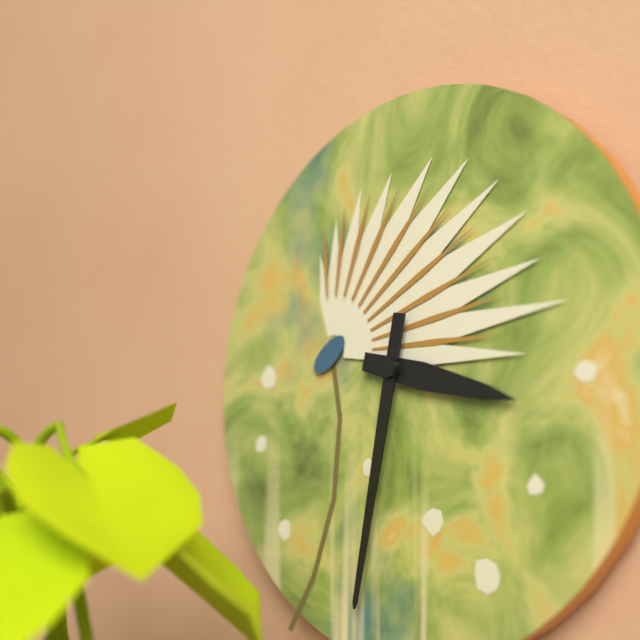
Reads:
3,32
